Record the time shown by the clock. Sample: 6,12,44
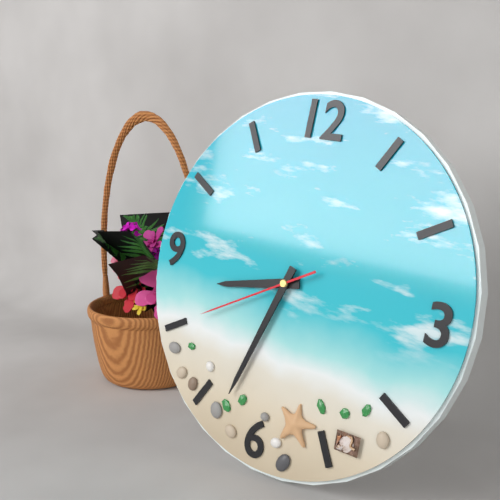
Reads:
8,33,40
